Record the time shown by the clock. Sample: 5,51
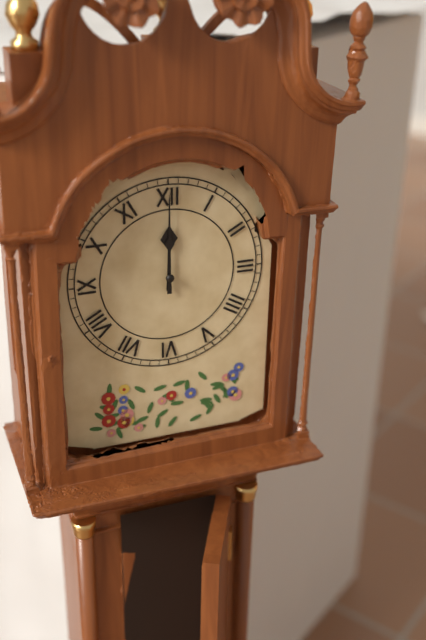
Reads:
12,00
